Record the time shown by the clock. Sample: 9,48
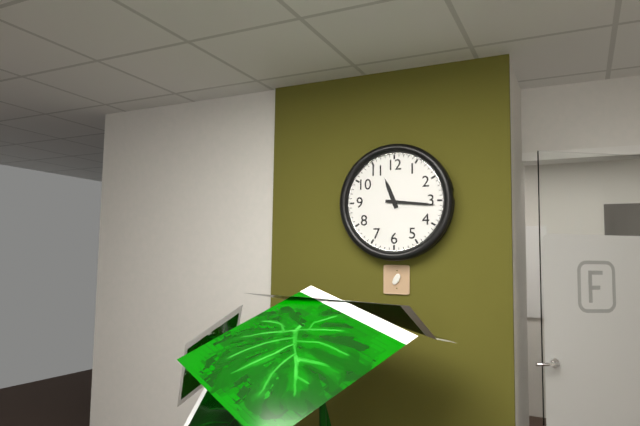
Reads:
11,16
